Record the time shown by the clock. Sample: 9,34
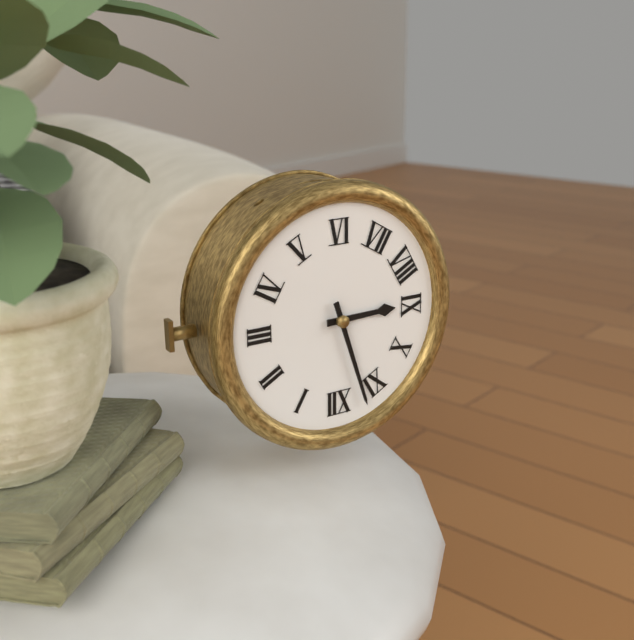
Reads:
8,57
